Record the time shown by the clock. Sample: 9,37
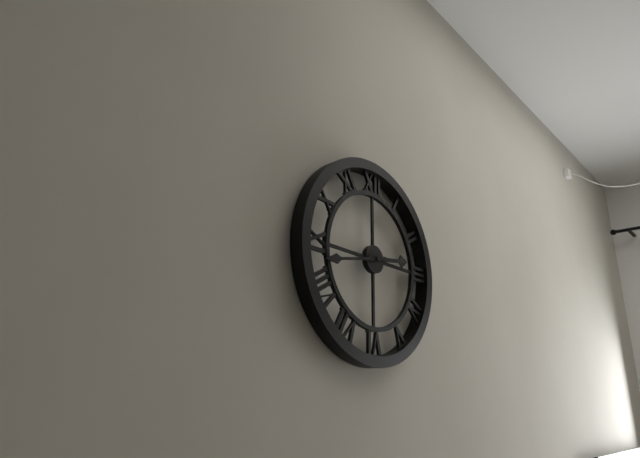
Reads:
2,43
